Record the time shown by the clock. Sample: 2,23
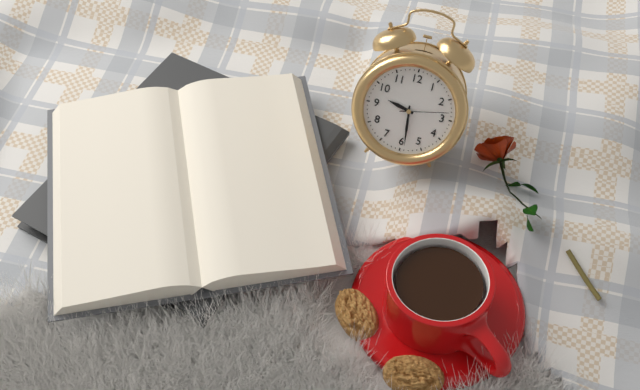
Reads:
9,29
